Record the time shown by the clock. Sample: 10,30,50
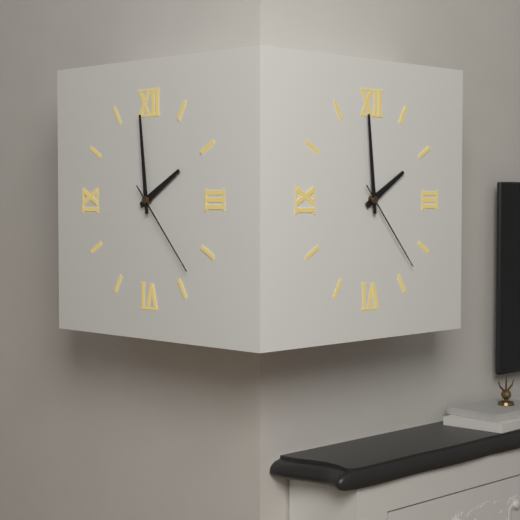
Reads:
1,59,23
